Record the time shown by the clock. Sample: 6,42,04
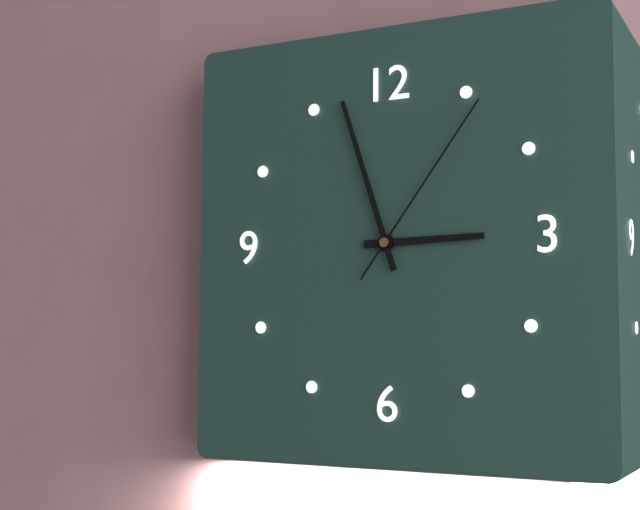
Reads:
2,57,06
